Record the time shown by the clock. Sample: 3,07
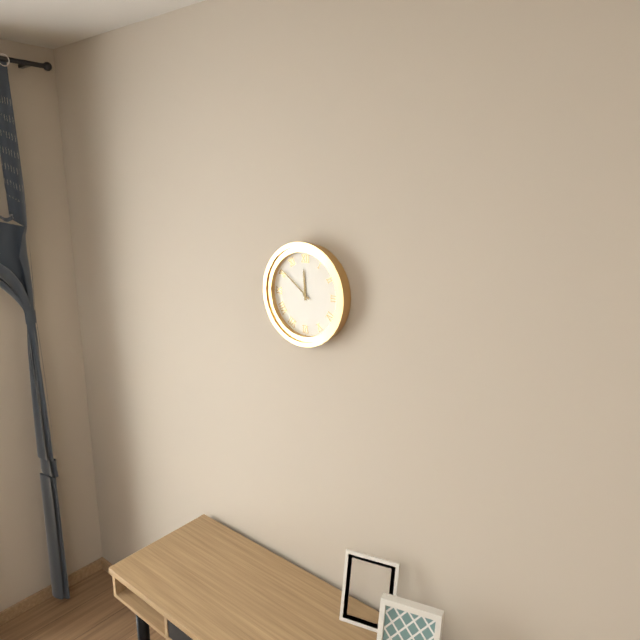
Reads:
11,51
